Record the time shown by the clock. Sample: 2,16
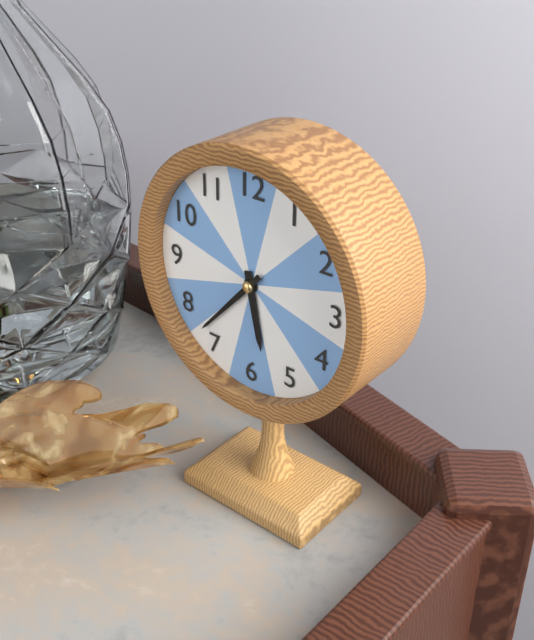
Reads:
5,37
